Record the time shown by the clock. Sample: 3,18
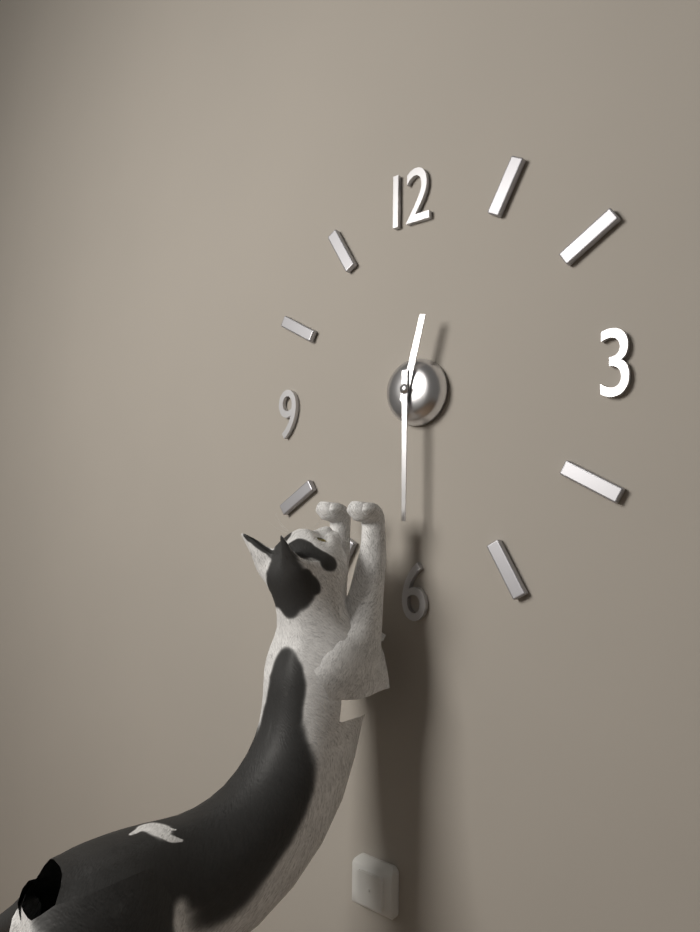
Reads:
12,30
